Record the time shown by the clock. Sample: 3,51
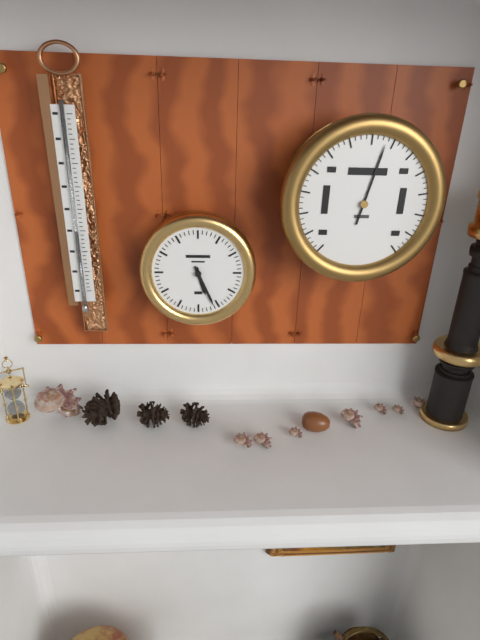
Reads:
5,26
